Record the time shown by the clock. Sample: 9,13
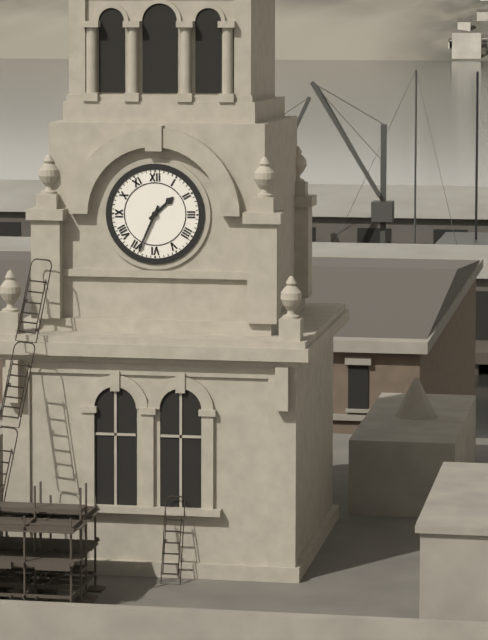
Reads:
1,34
